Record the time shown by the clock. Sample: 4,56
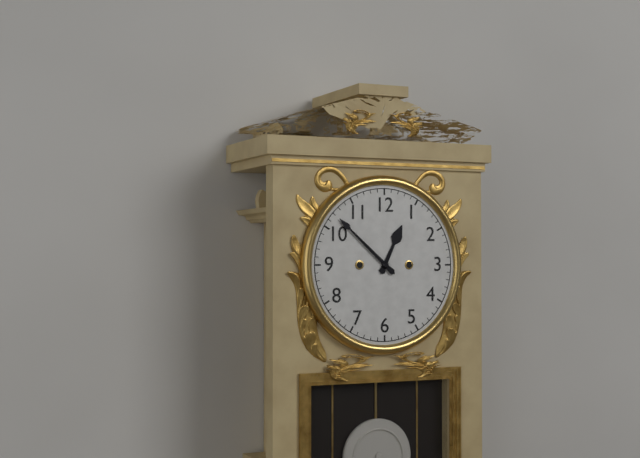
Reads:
12,52
